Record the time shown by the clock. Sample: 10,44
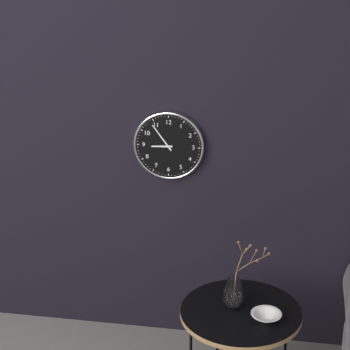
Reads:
8,54
